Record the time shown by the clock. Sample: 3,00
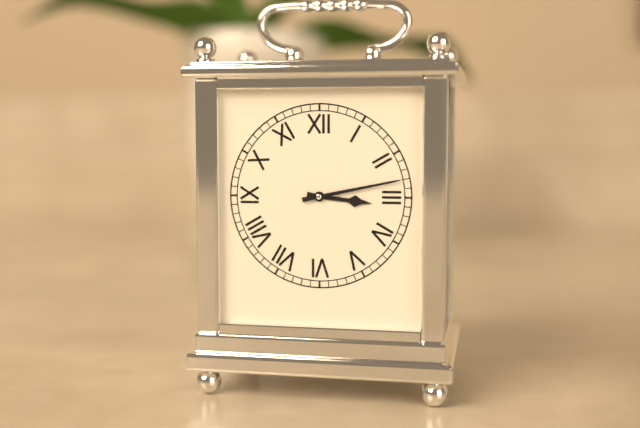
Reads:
3,13
